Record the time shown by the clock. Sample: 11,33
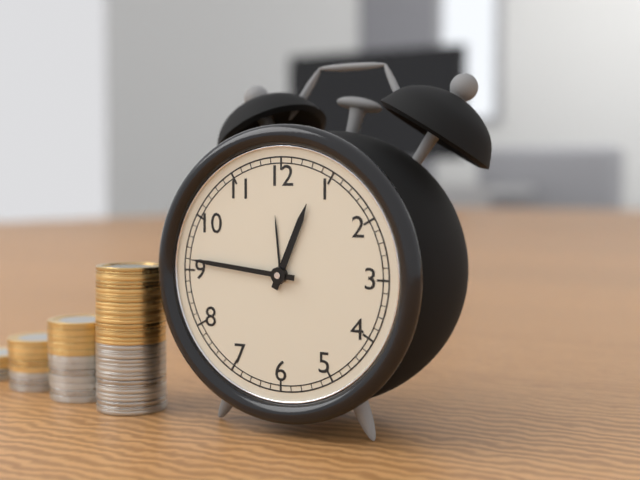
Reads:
12,46
